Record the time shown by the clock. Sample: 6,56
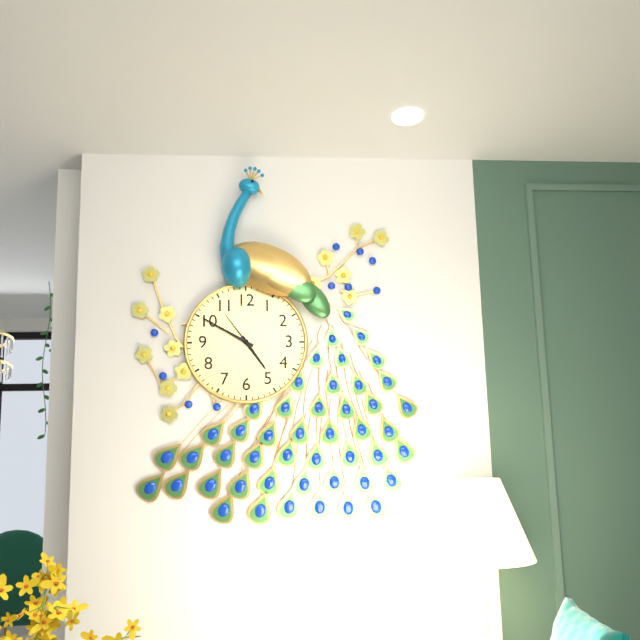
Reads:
4,50
